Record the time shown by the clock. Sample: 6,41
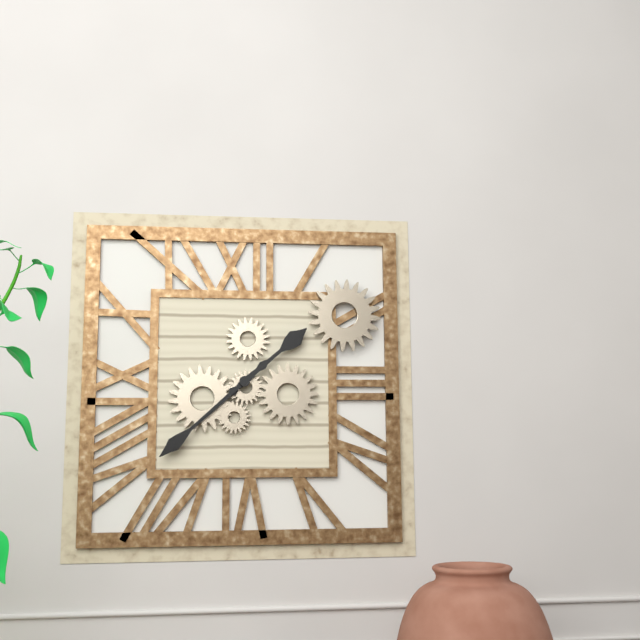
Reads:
1,38
